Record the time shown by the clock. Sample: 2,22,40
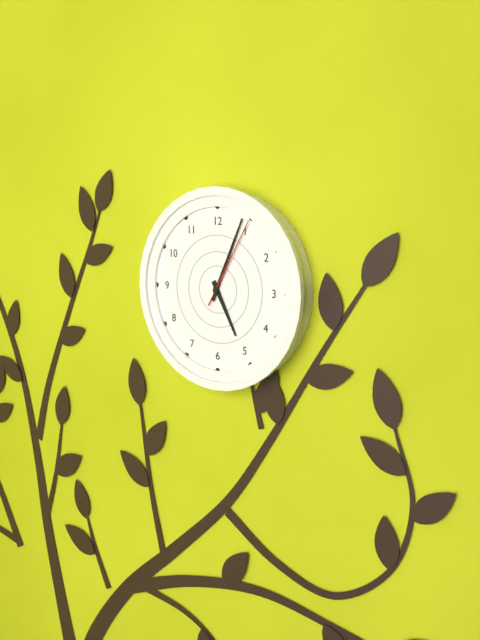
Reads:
5,04,05
